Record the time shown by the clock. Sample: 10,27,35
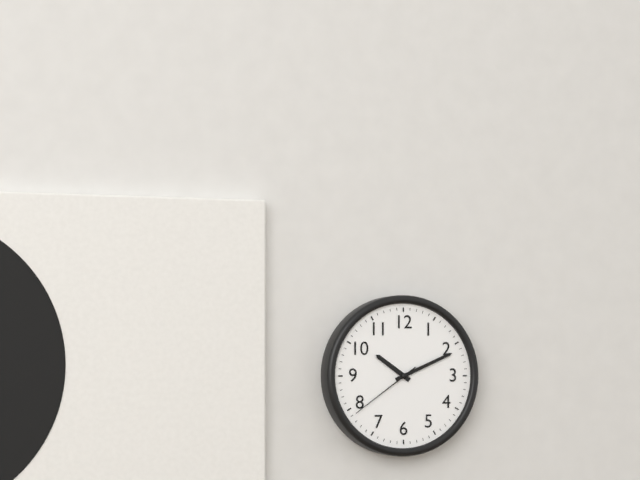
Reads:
10,11,39
